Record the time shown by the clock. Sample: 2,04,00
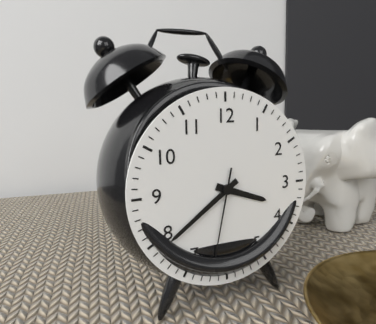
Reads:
3,39,32
